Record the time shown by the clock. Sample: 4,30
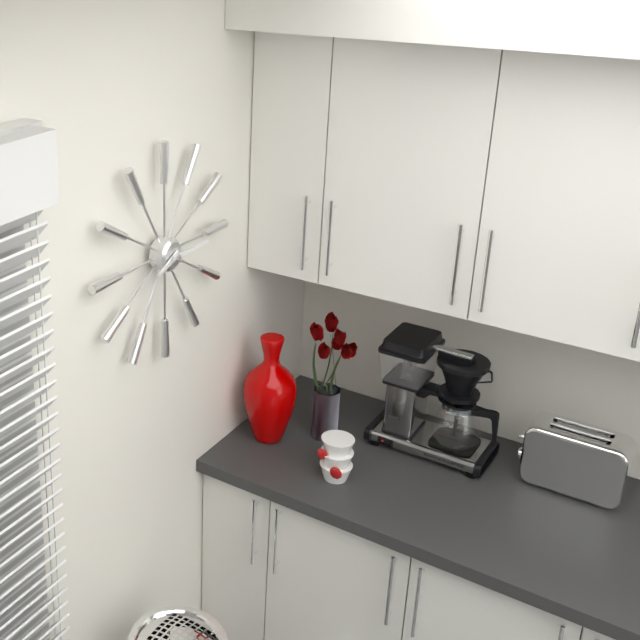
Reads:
8,15
